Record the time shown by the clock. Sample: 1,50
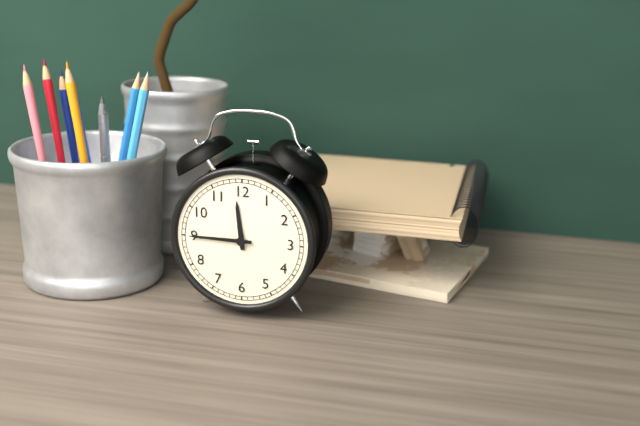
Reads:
11,45
